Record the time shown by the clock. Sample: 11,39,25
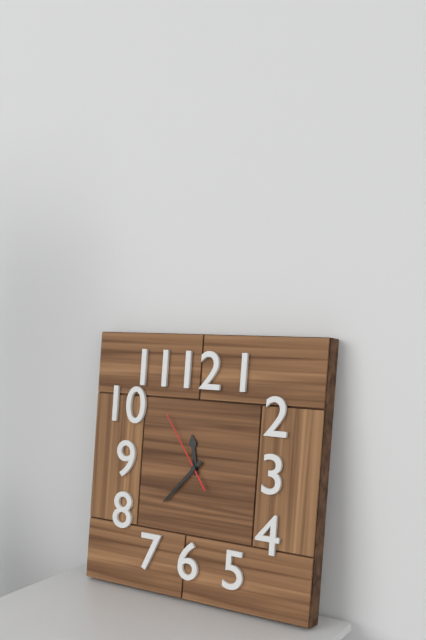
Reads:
11,37,54
